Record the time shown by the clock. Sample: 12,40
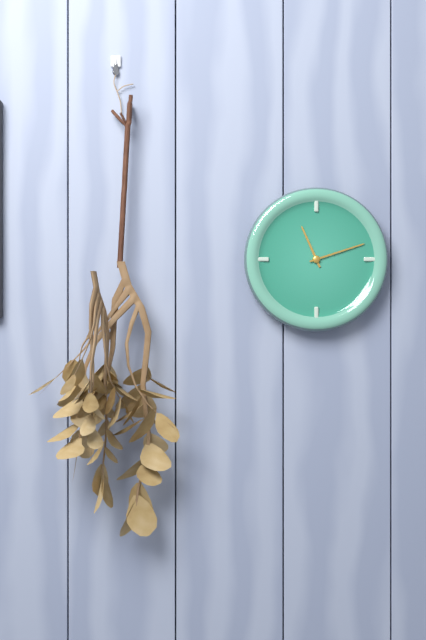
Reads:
11,12
